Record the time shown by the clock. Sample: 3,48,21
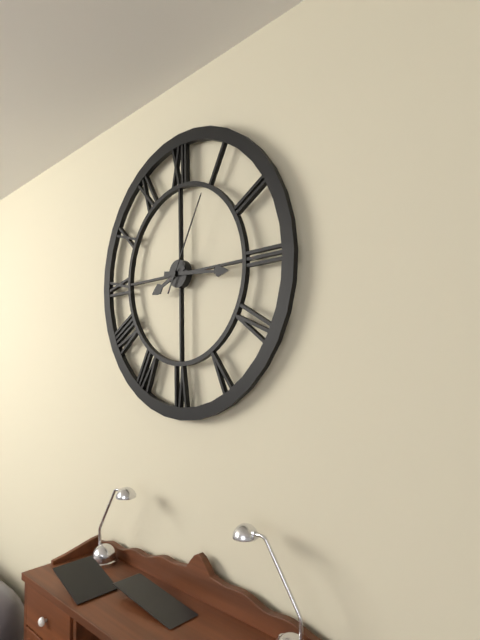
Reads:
8,16,05
